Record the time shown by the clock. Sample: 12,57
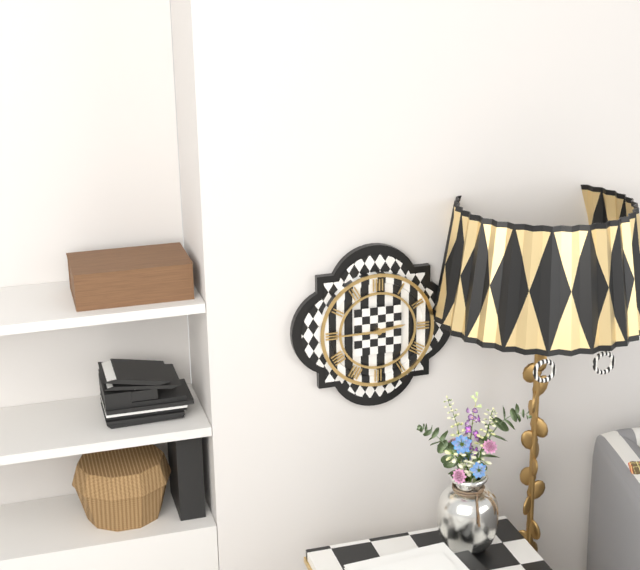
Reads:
2,45
